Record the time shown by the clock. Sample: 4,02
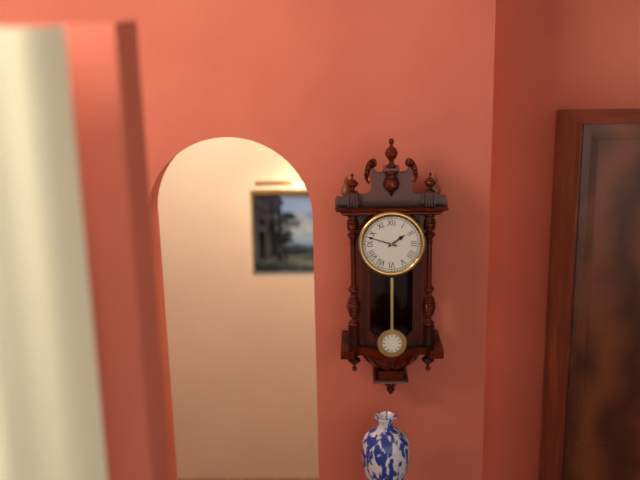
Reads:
1,48
